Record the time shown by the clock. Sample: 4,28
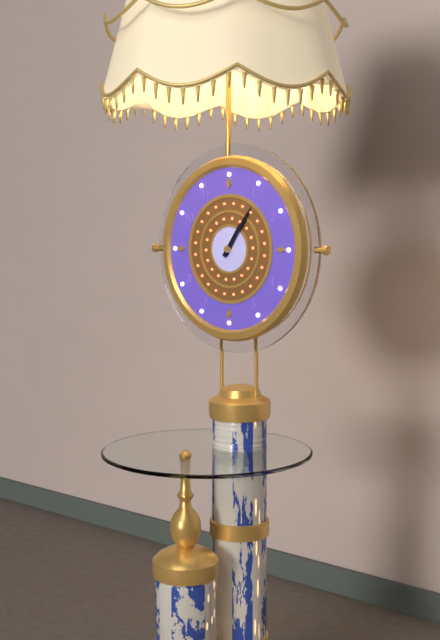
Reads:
1,06
